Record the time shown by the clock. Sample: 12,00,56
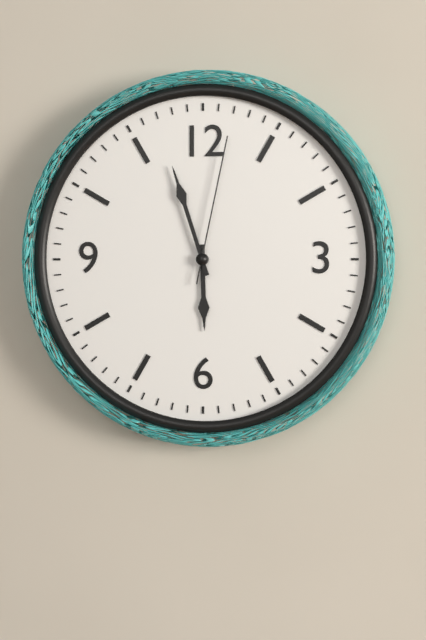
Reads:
5,57,02
